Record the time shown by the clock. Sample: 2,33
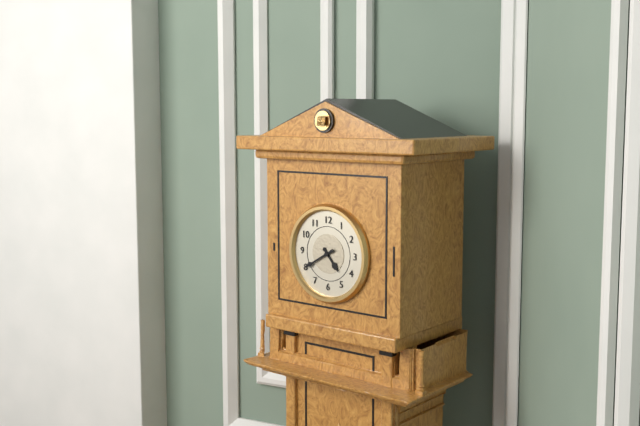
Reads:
4,40
